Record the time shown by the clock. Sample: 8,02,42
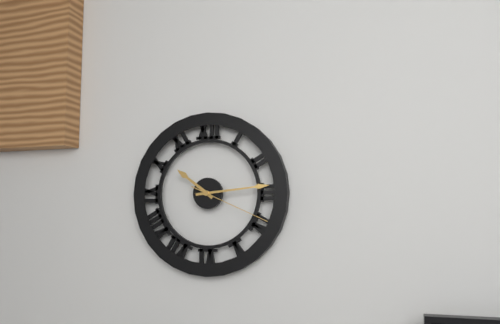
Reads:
10,14,19
